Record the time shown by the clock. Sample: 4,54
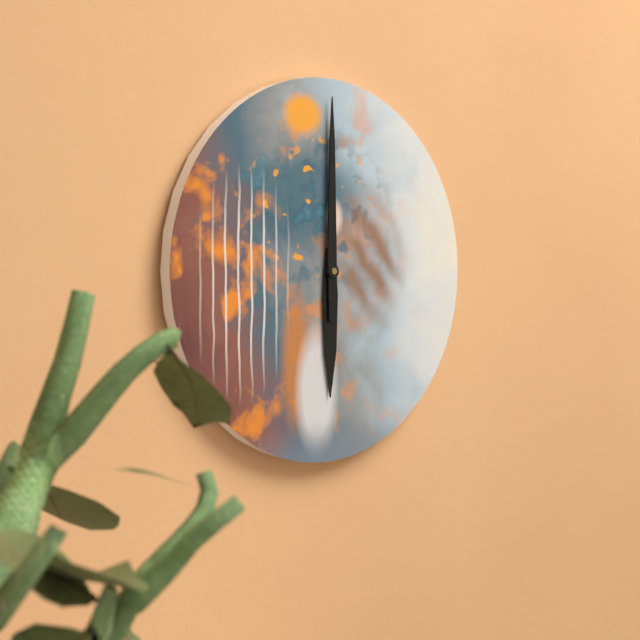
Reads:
6,00
